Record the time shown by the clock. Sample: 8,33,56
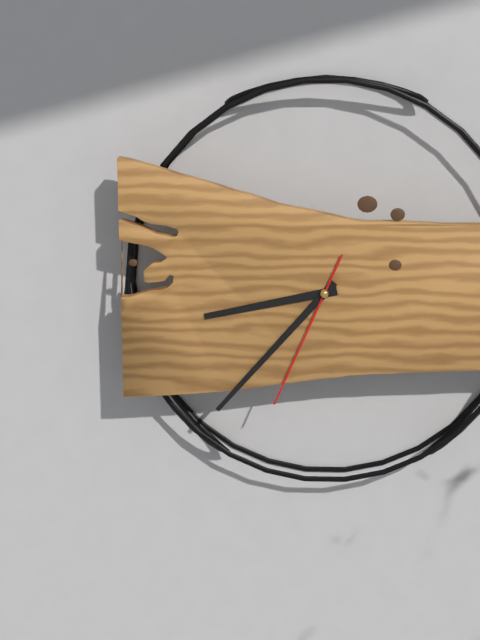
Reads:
8,37,34
